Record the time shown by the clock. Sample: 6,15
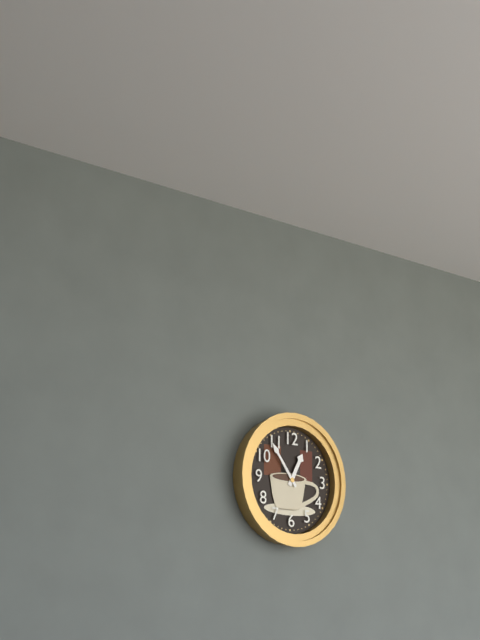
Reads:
12,54
